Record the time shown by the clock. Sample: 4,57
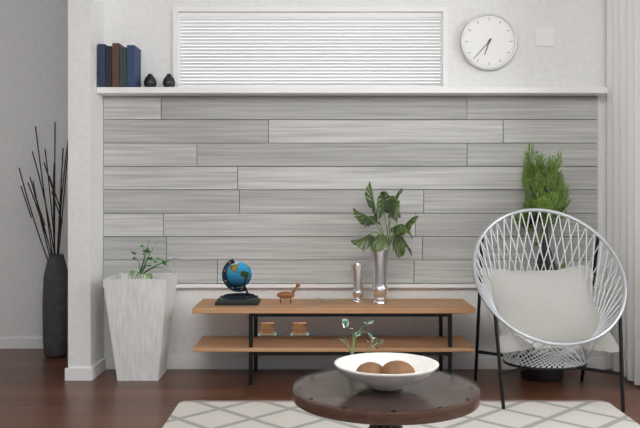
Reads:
6,37
